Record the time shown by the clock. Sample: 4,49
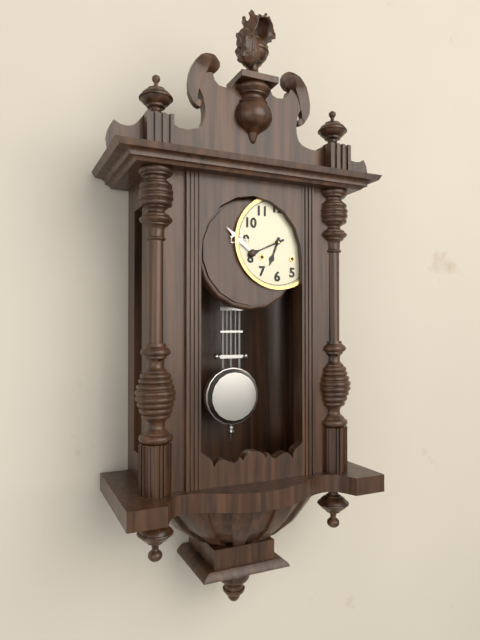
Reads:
6,41
